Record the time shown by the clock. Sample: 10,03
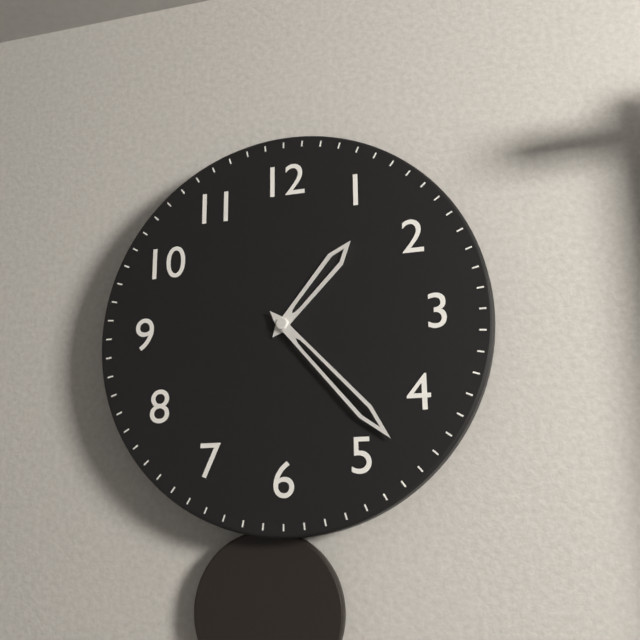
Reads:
1,23
